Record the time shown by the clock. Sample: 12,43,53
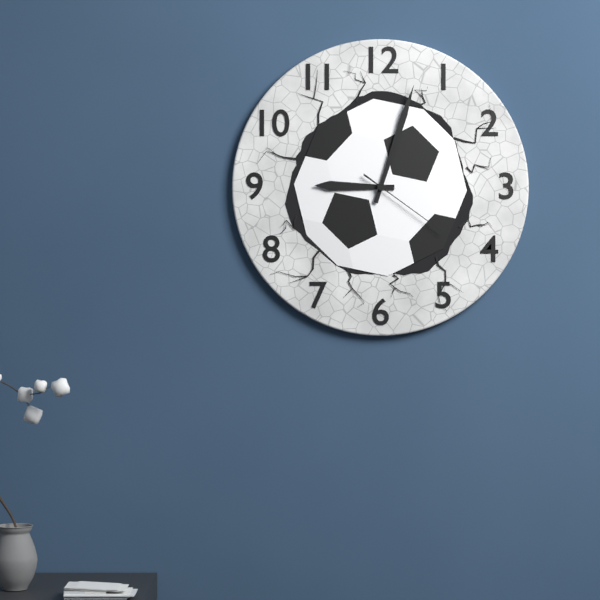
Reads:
9,03,21
